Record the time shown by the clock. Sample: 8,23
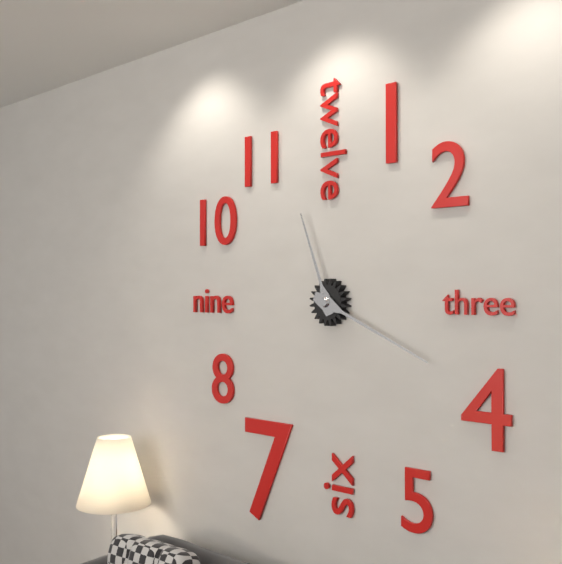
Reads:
11,19
